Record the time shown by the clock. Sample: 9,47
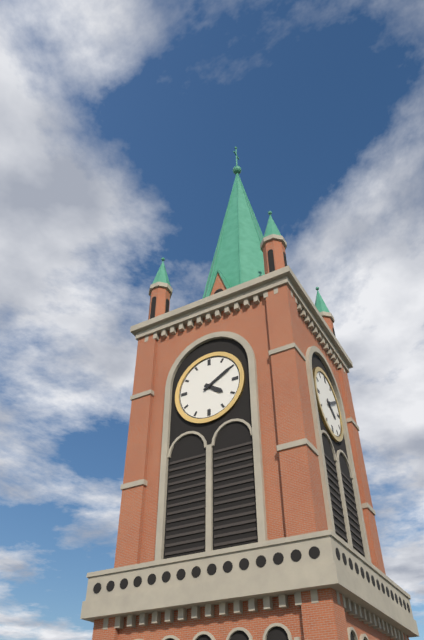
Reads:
4,10
